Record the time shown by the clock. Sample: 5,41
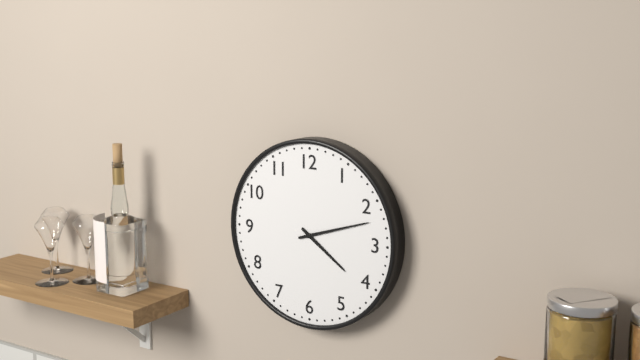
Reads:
4,12
